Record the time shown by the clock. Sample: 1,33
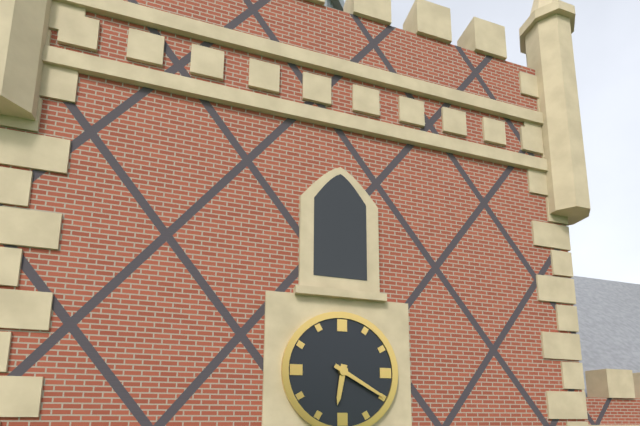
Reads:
6,20
